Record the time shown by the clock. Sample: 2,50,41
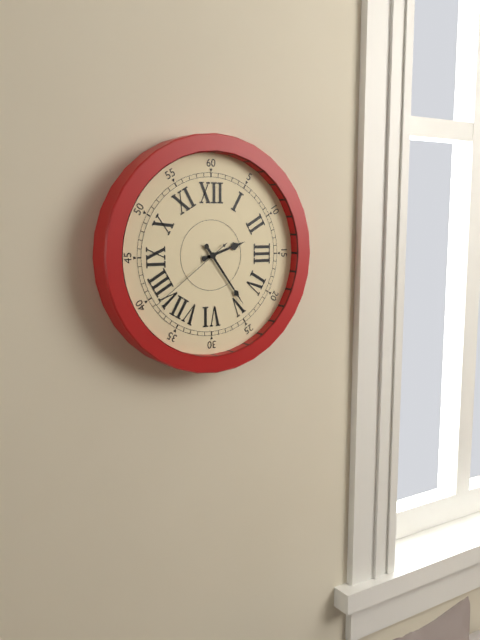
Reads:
2,24,39
